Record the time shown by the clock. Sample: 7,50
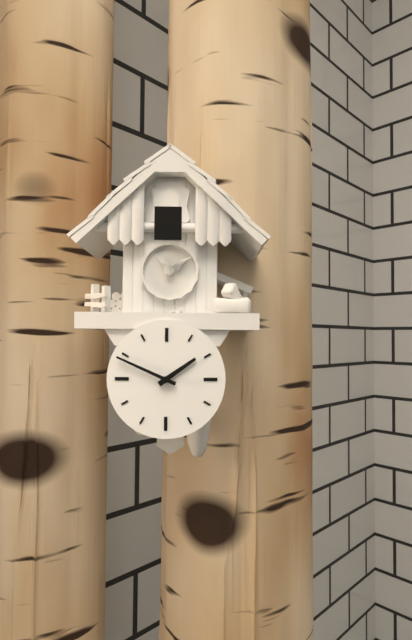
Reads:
1,49
